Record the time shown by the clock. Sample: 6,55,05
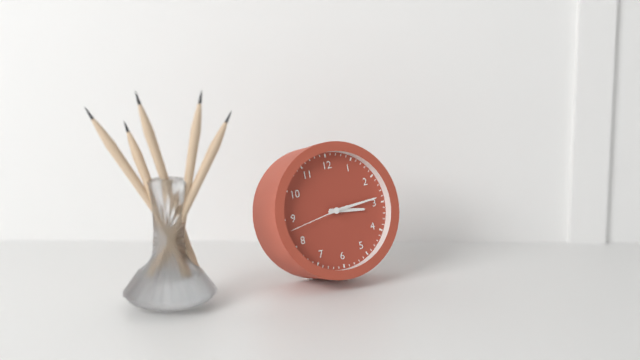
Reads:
3,14,43
